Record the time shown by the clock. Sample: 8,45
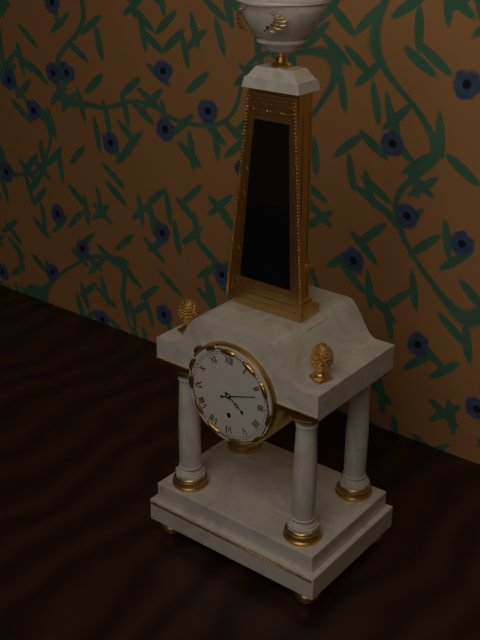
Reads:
4,12
